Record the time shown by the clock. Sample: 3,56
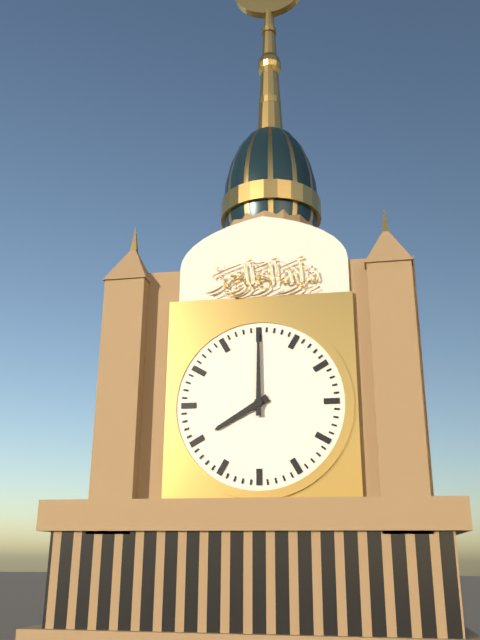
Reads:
8,00
